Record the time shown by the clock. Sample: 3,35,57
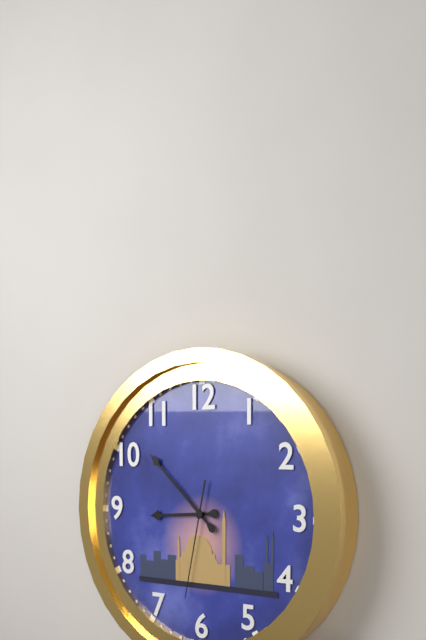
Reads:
8,52,32
